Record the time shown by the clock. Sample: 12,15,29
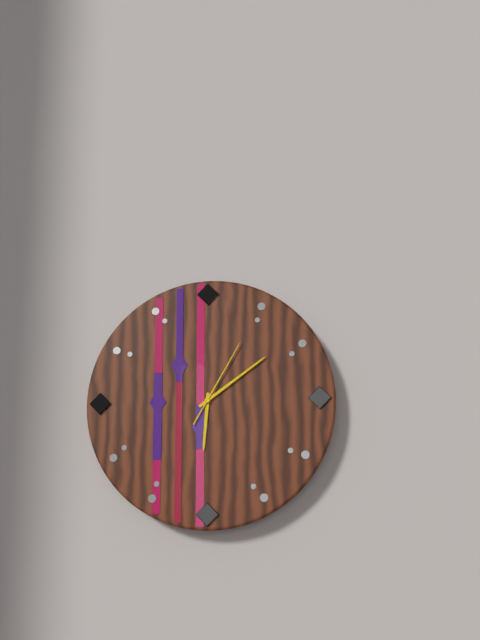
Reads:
6,09,05
